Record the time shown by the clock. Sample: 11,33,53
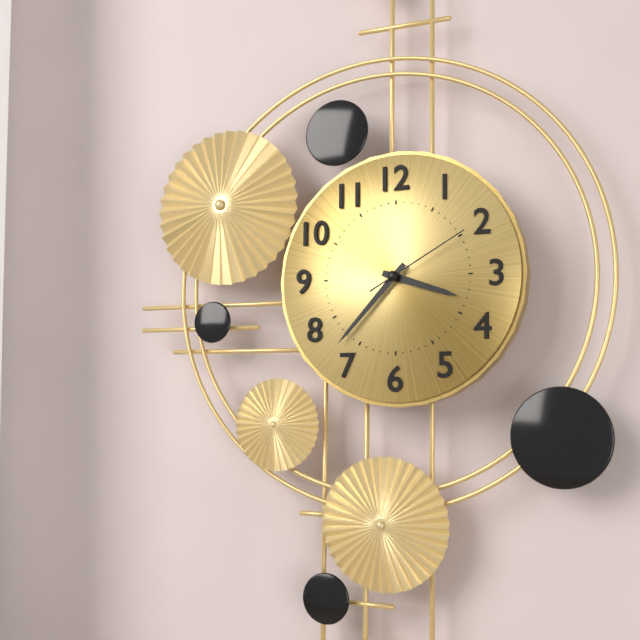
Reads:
3,37,10
